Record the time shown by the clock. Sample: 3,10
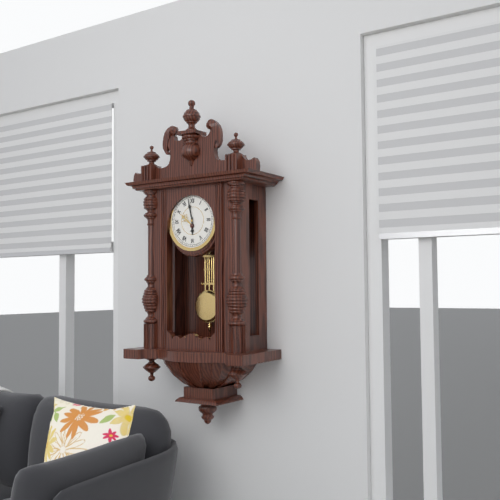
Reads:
5,58
